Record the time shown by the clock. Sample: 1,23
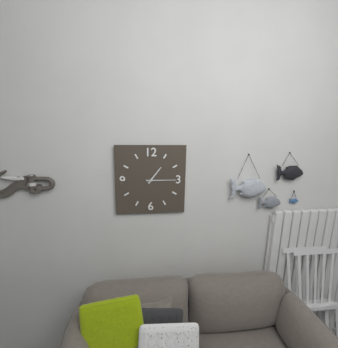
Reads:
1,15
